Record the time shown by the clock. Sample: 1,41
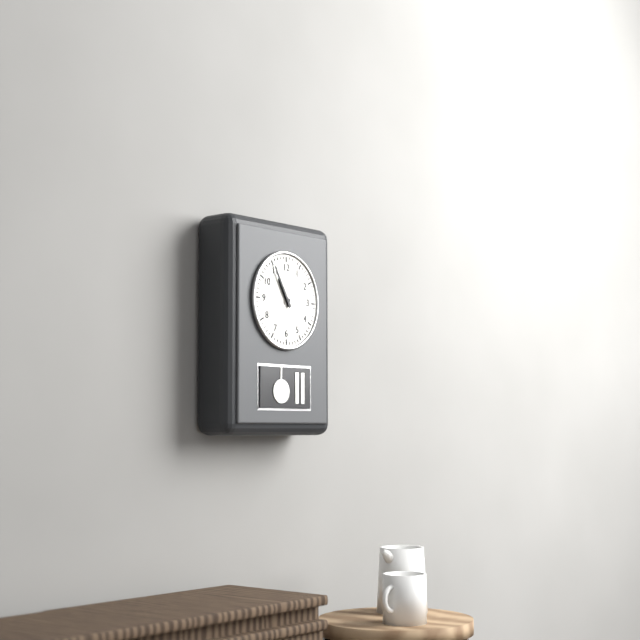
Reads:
10,55
